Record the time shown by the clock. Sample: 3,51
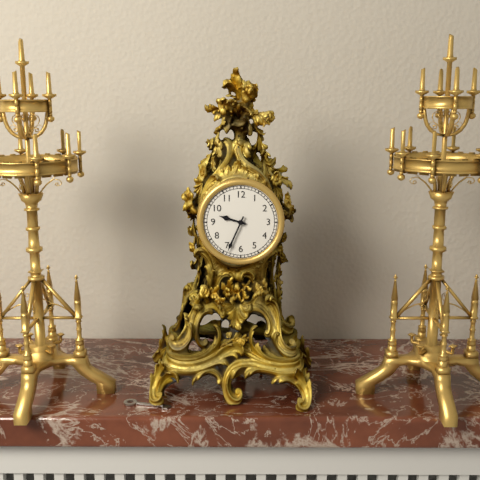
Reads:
9,34
